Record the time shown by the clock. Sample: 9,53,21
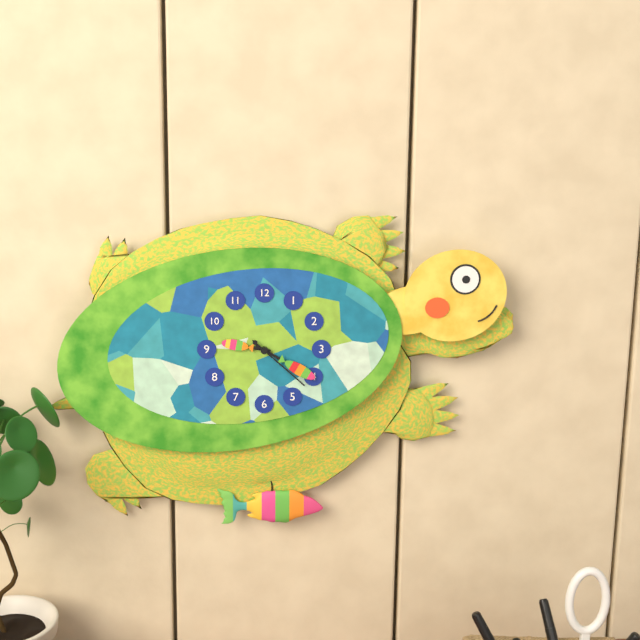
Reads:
9,20,22
